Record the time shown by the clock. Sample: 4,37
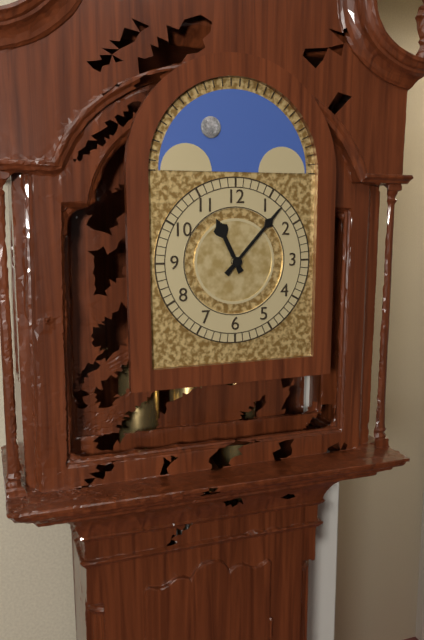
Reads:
11,07
